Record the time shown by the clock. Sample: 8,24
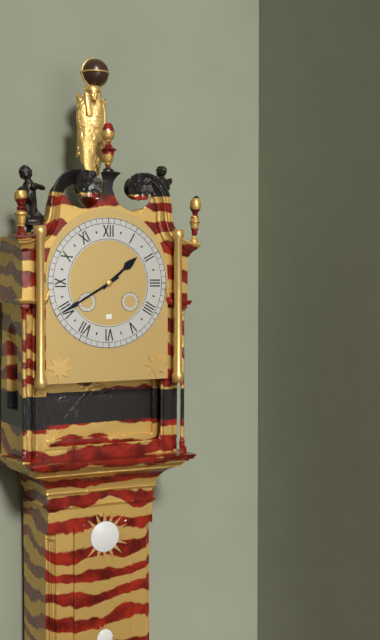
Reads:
1,40
